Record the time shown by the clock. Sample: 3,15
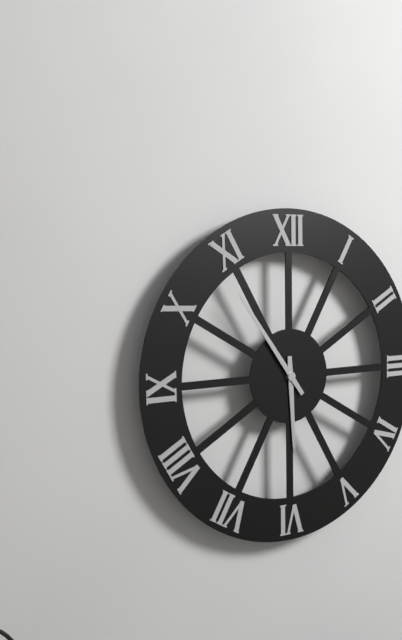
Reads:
5,54
